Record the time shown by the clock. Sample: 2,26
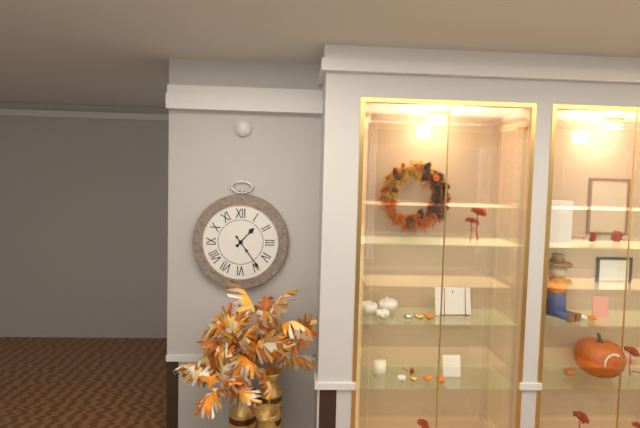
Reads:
1,24
